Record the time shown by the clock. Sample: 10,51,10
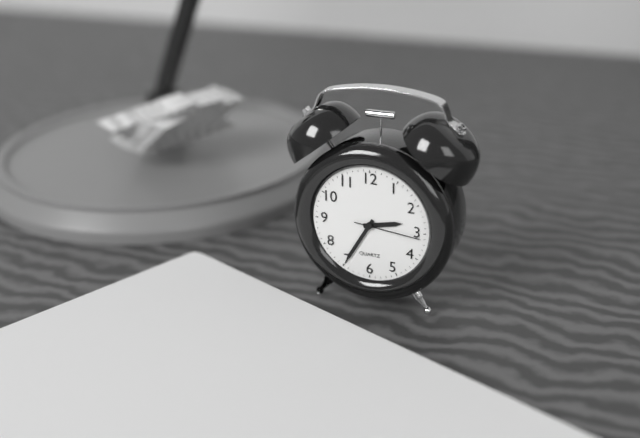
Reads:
2,35,16
